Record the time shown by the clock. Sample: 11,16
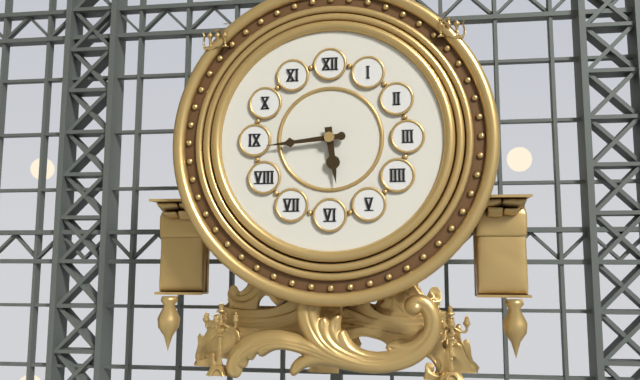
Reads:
5,44
